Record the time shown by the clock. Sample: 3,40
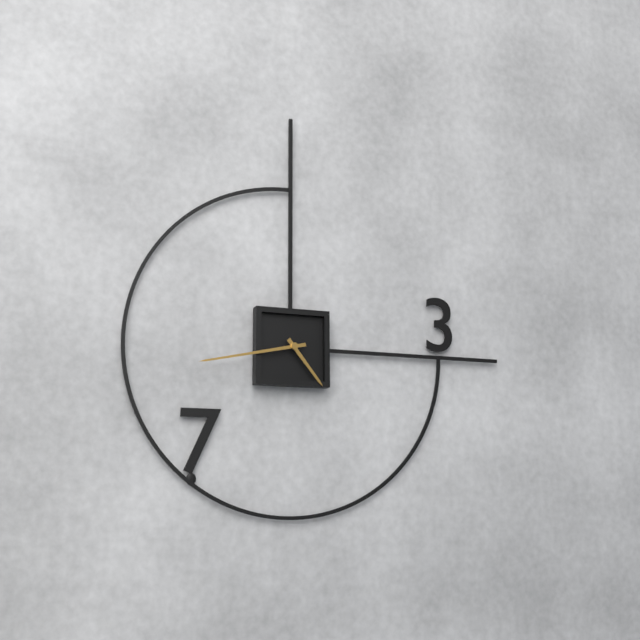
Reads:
4,43
